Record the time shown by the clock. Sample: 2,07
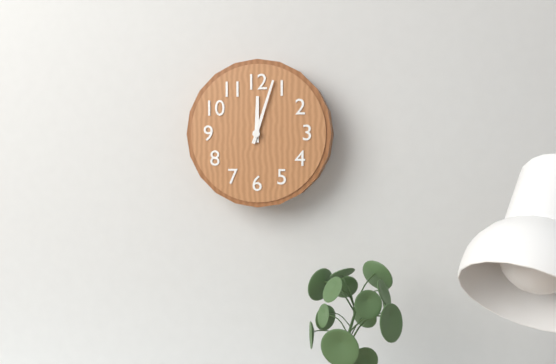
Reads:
12,03
